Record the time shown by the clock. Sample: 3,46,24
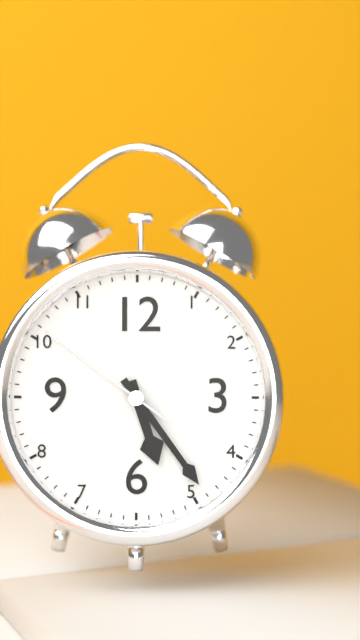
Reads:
5,24,51
